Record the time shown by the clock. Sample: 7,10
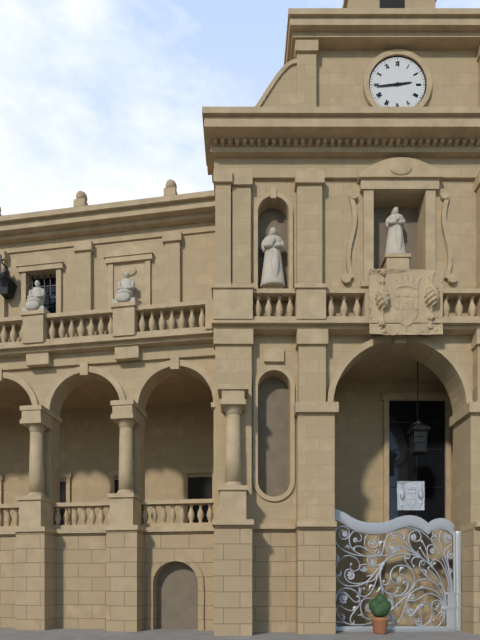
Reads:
2,44
